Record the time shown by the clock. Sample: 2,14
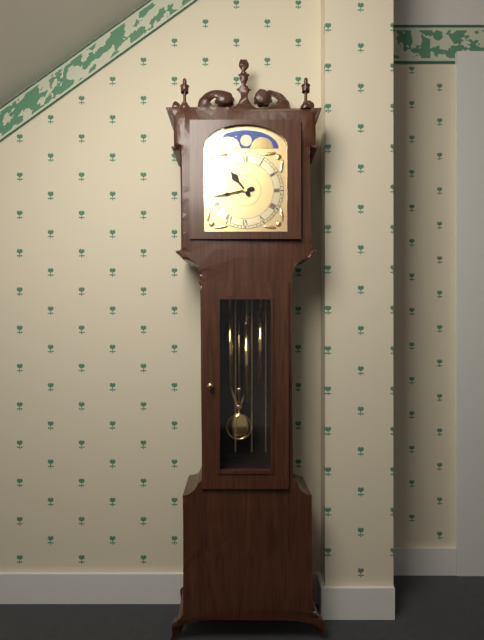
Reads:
10,43
